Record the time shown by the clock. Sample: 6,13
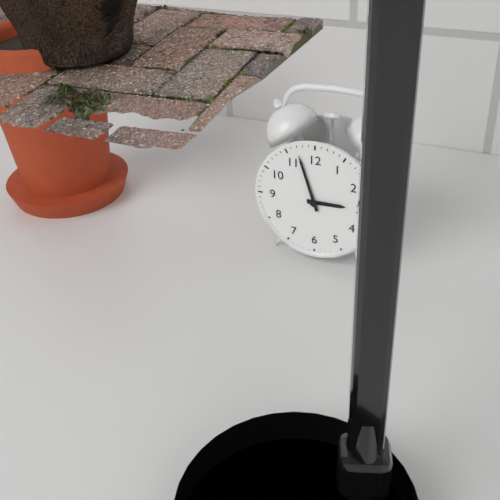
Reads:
2,57
